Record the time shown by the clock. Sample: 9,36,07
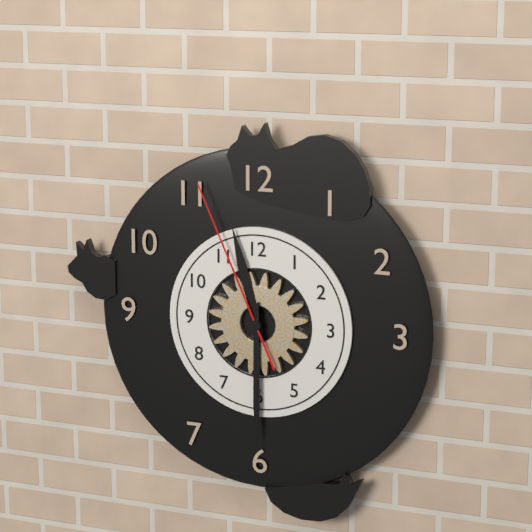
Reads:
11,30,56
